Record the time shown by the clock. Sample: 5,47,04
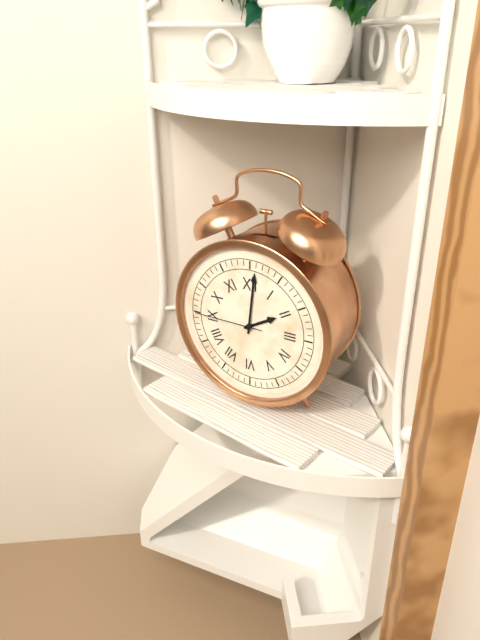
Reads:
2,01,45
